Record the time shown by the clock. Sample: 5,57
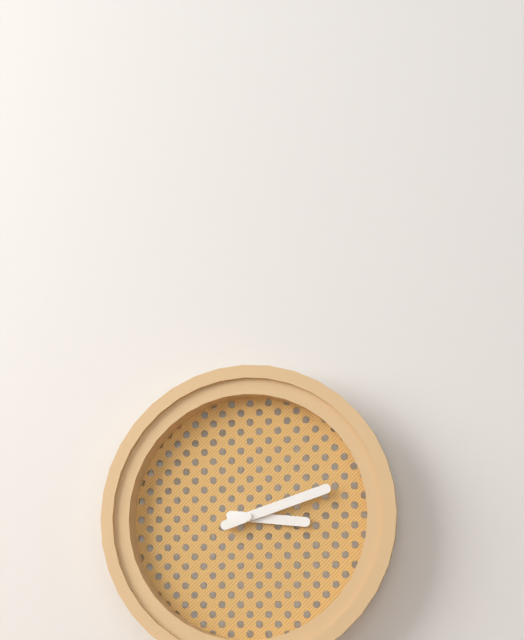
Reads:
3,12
